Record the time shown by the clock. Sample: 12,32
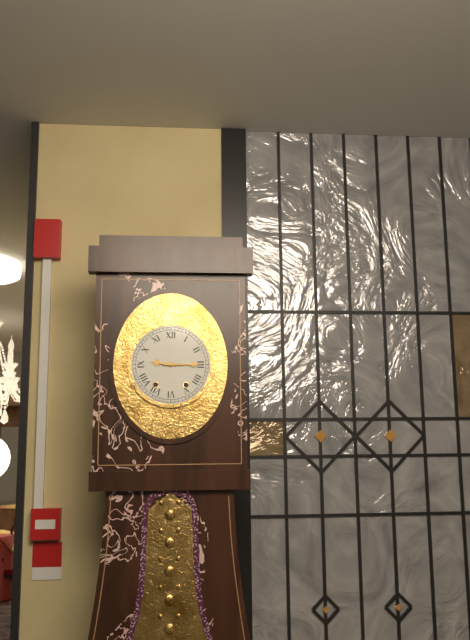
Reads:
9,15
